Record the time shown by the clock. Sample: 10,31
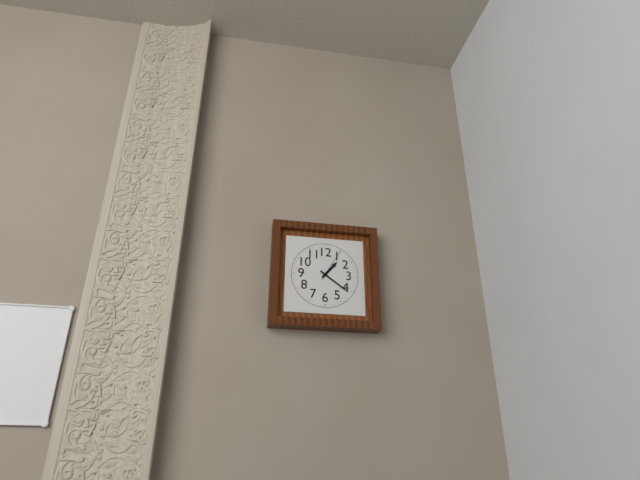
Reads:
1,21
